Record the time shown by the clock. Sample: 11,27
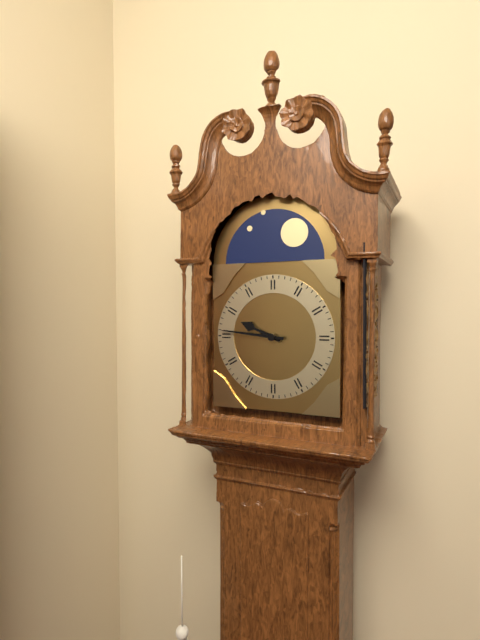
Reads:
9,46
